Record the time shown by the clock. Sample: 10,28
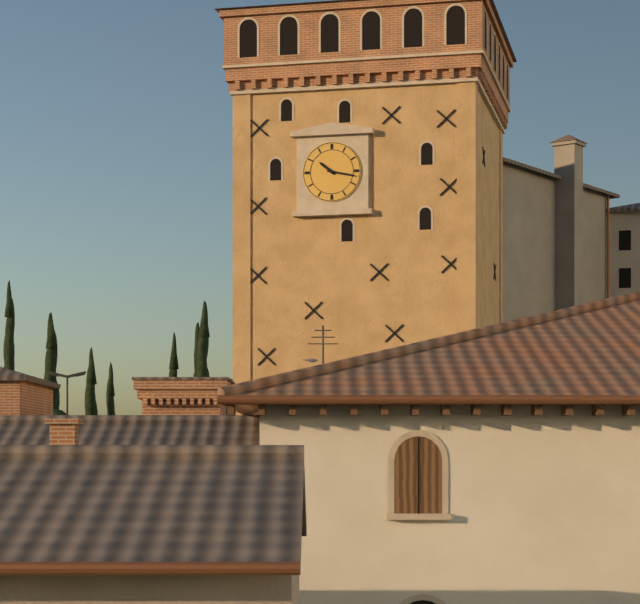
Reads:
10,17
